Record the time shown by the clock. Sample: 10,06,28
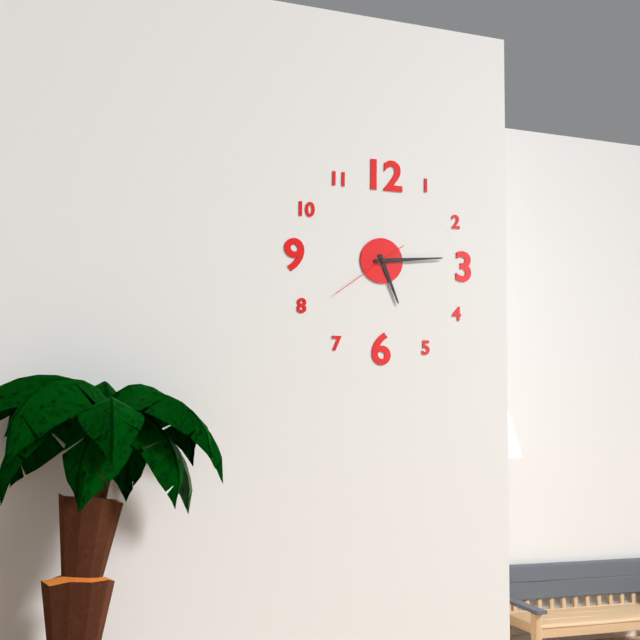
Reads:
5,14,39
